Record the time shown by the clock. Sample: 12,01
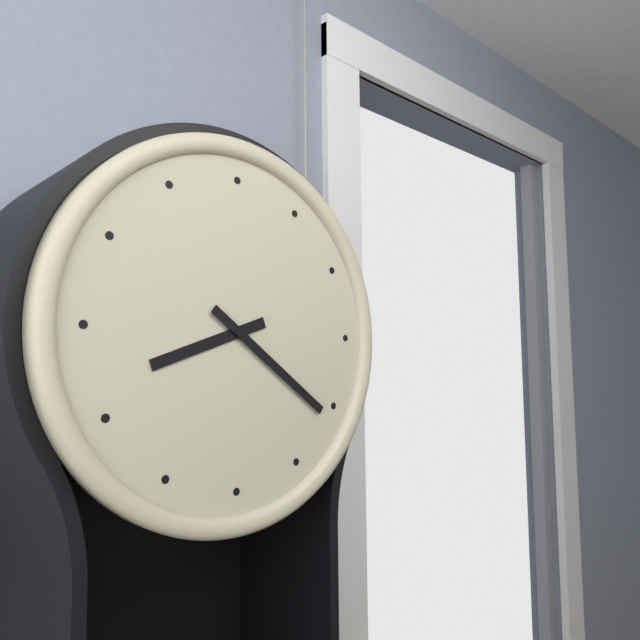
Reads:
8,21
